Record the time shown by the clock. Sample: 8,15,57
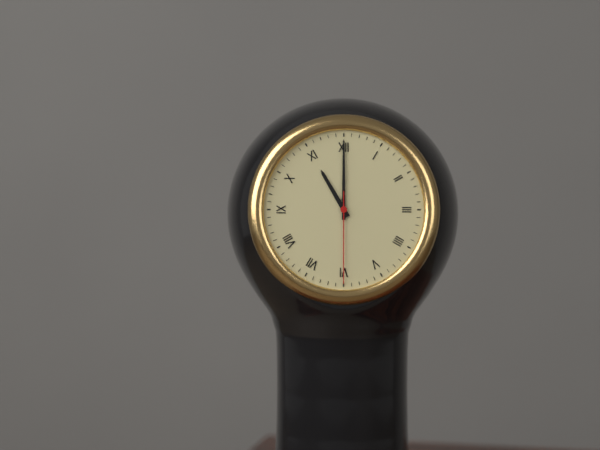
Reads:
11,00,30
